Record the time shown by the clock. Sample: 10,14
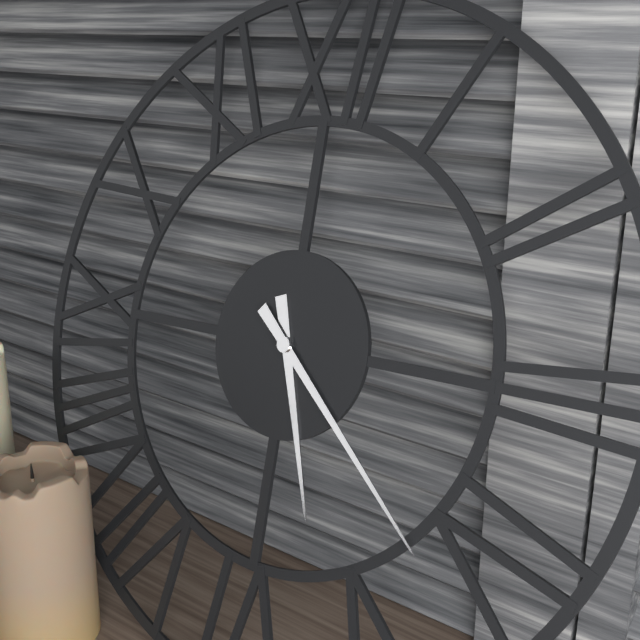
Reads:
5,22
